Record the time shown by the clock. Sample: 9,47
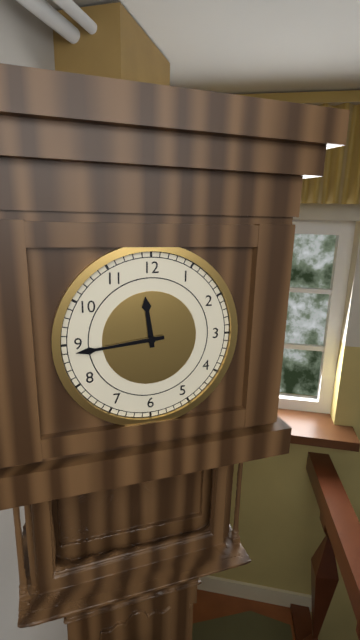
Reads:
11,44
